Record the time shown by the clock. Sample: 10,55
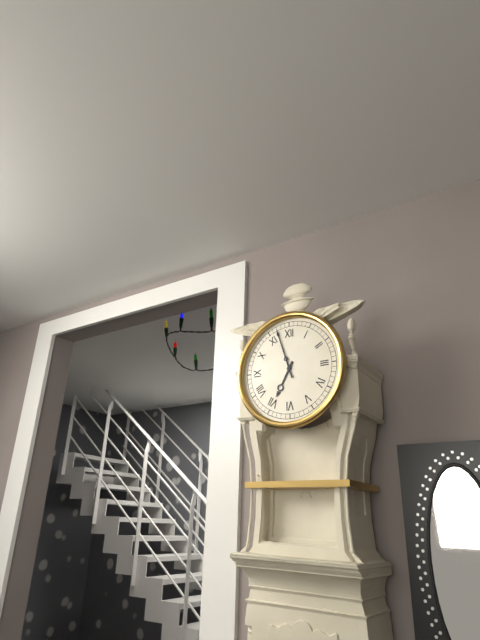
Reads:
6,57
